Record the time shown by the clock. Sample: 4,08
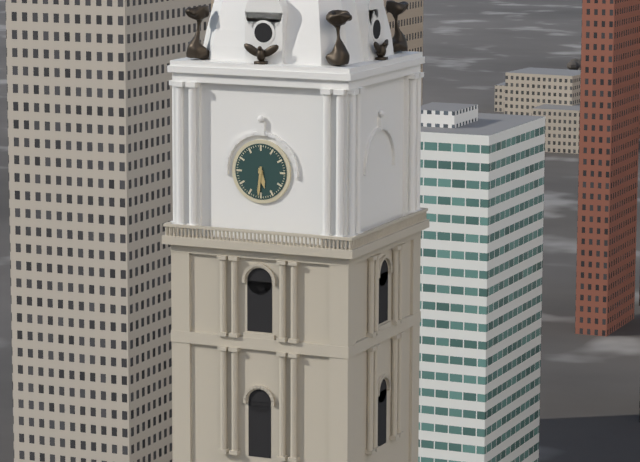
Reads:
5,31
